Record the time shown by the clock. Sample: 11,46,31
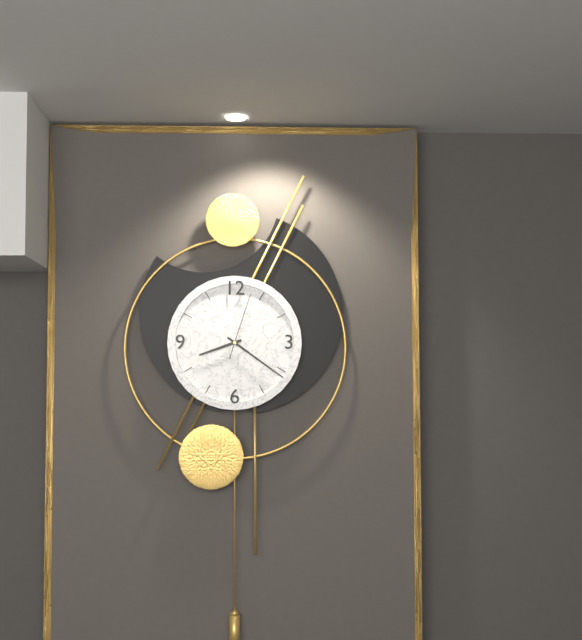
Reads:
8,21,03
